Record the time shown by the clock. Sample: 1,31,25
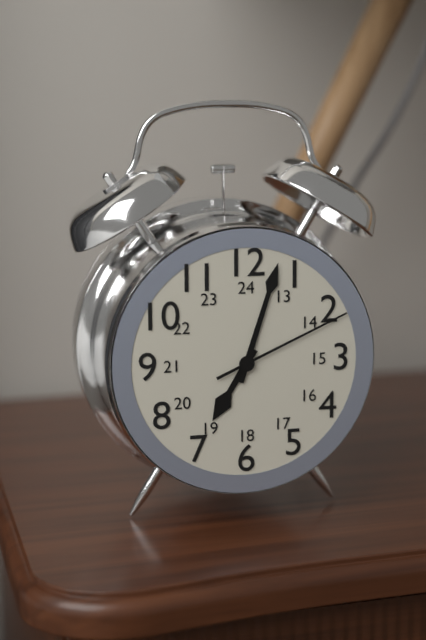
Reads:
7,03,11
